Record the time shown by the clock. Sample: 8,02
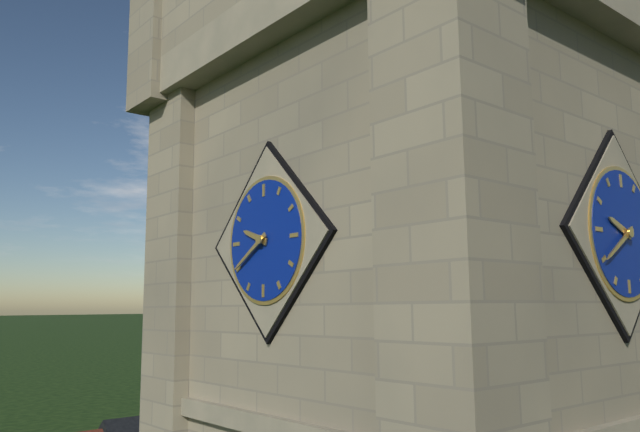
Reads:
9,40
